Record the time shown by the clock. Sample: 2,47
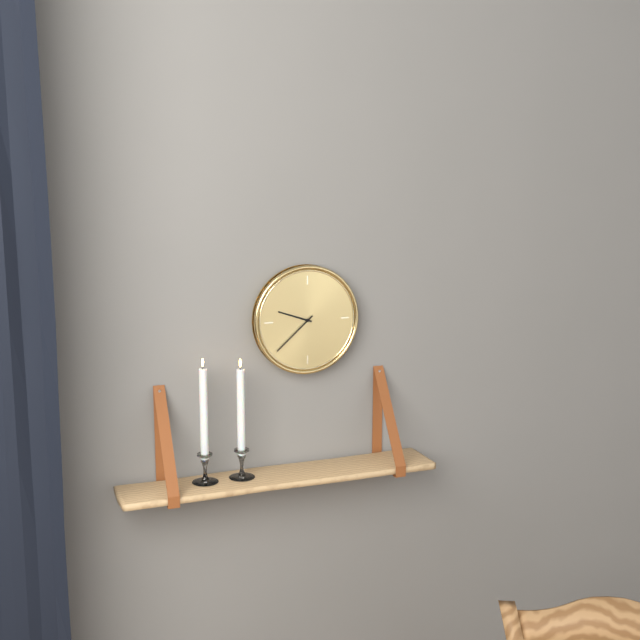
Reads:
9,38
